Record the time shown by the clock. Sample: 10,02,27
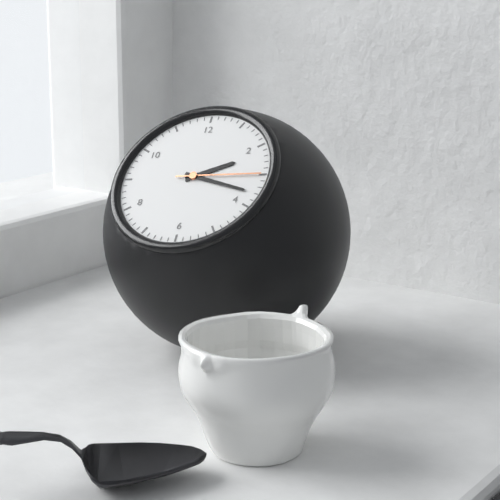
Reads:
2,18,15
